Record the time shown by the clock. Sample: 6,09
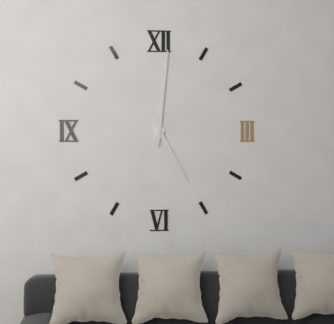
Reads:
5,01
